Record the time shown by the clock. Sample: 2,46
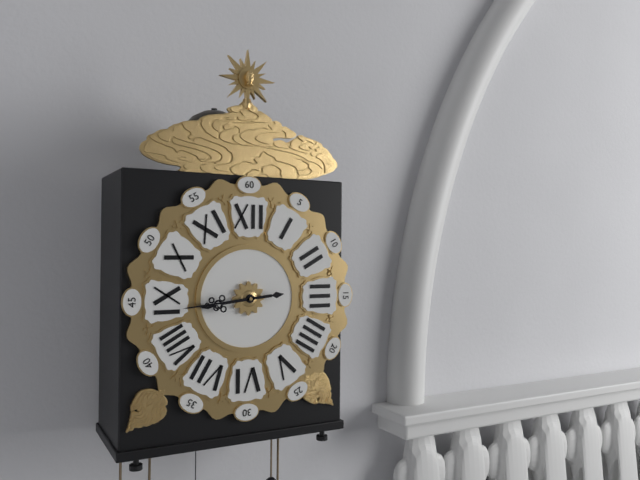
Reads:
8,44
